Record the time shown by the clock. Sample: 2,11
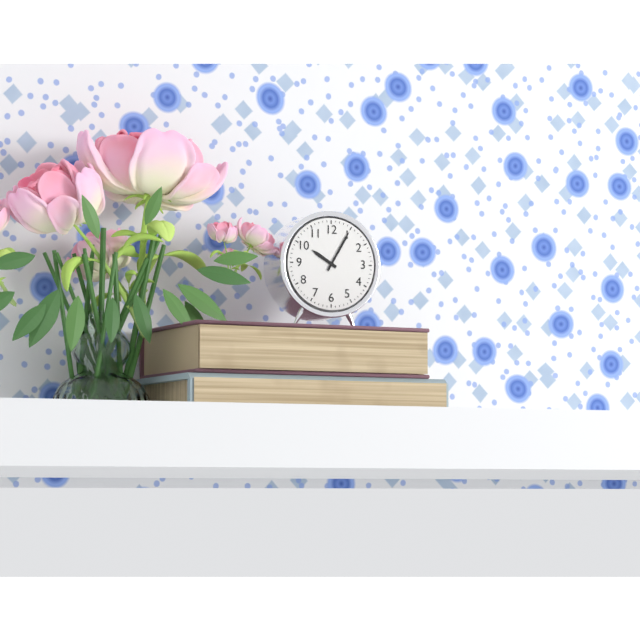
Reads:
10,05
